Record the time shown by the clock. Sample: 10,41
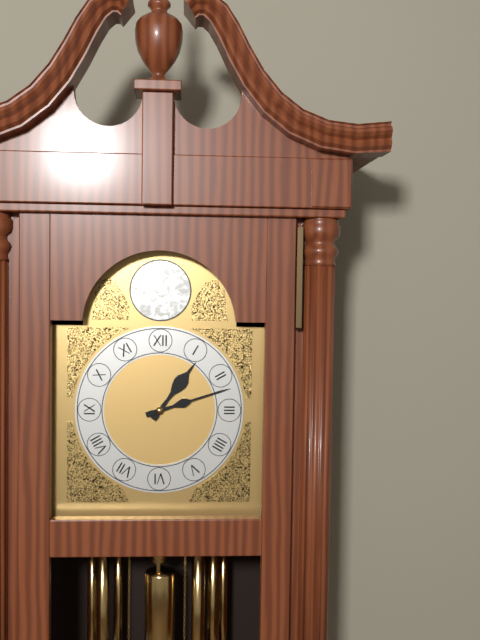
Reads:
1,12
